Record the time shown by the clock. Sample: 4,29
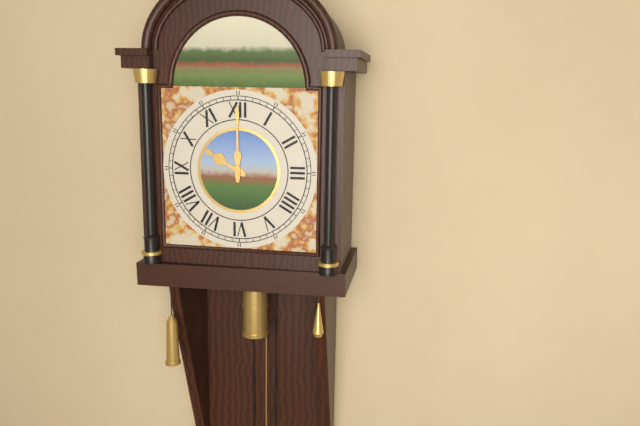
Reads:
10,00
